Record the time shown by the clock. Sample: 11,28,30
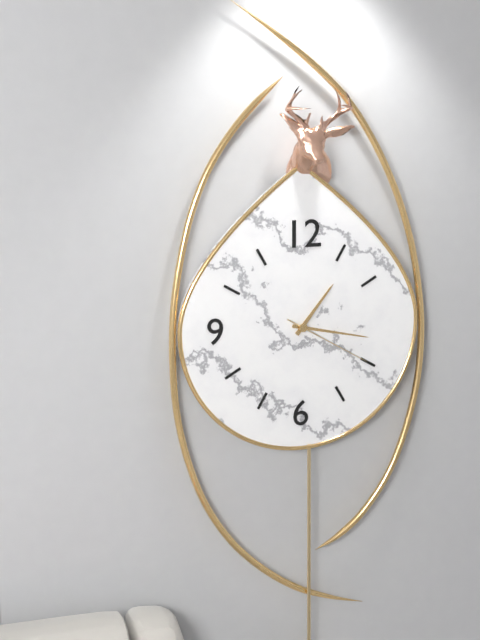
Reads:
1,17,20
